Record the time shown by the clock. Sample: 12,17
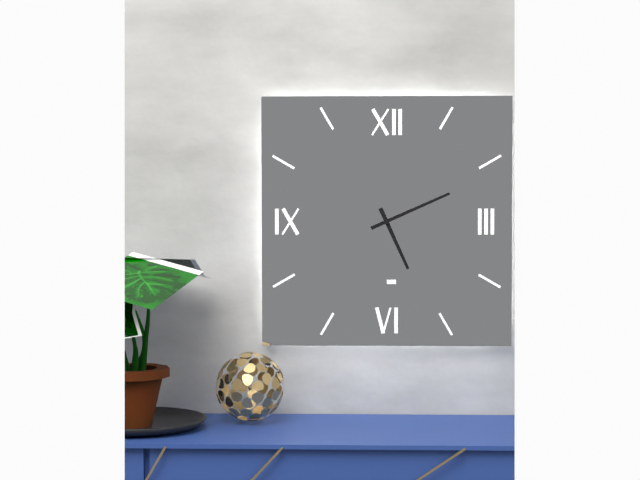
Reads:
5,11
